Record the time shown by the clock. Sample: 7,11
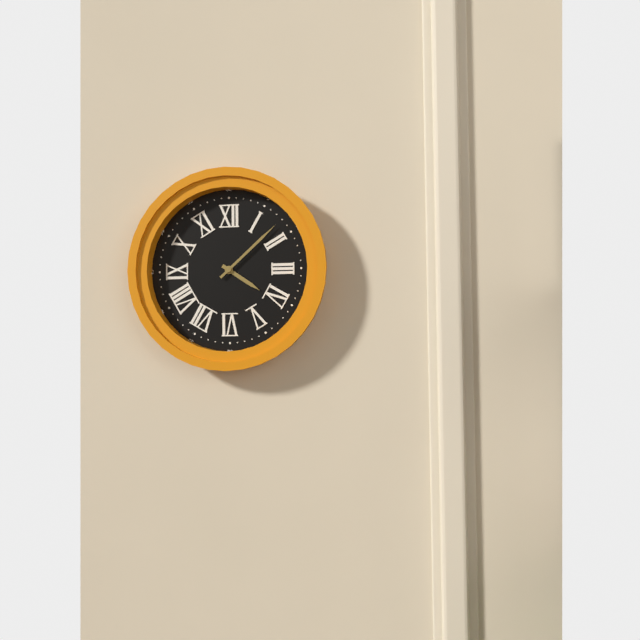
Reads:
4,08
